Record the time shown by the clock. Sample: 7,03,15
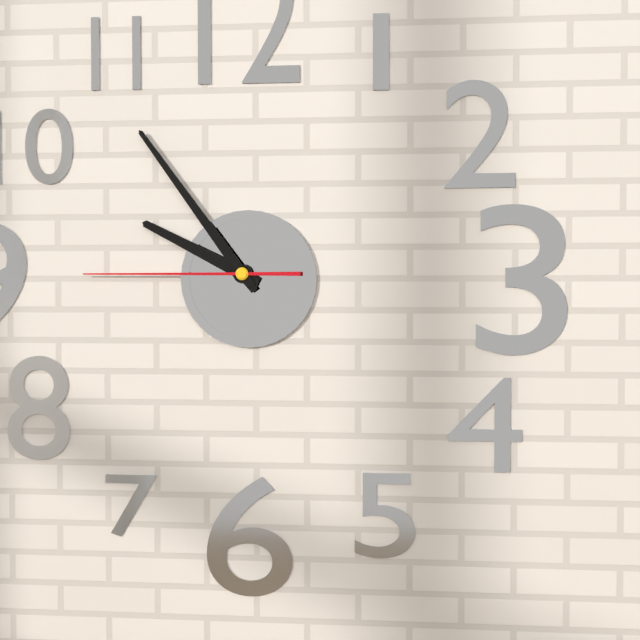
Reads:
9,54,45
